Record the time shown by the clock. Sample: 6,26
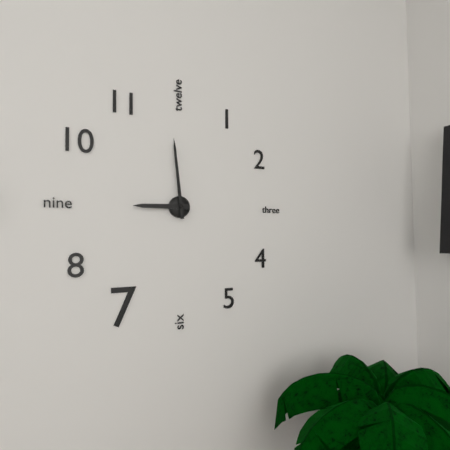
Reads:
8,59
